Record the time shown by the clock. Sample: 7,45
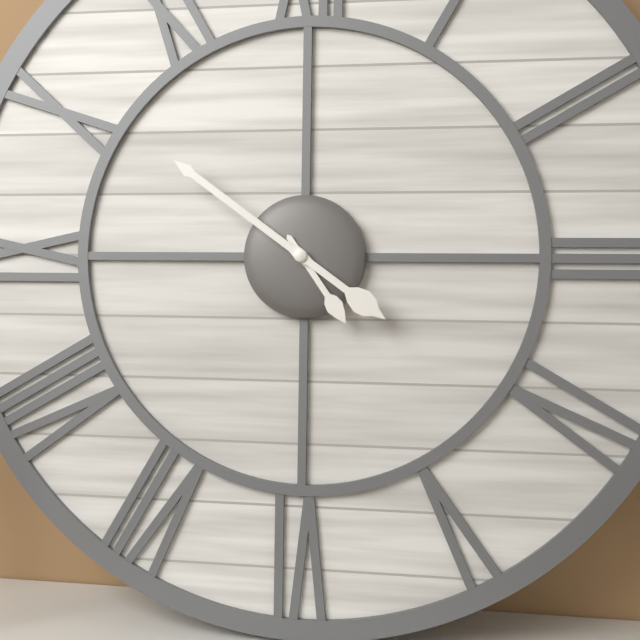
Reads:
4,51
